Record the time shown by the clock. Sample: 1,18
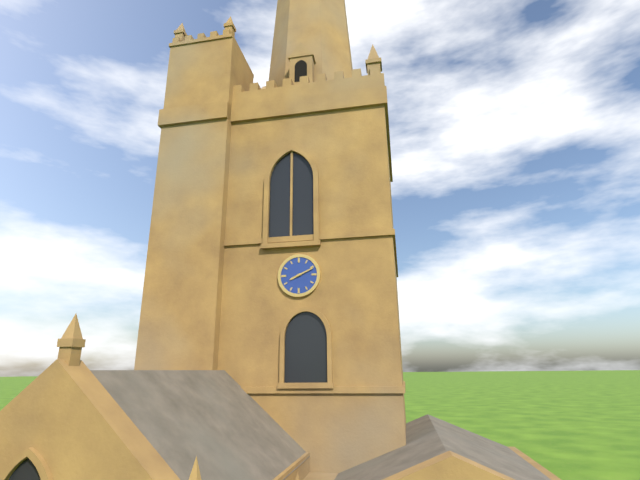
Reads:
8,11
